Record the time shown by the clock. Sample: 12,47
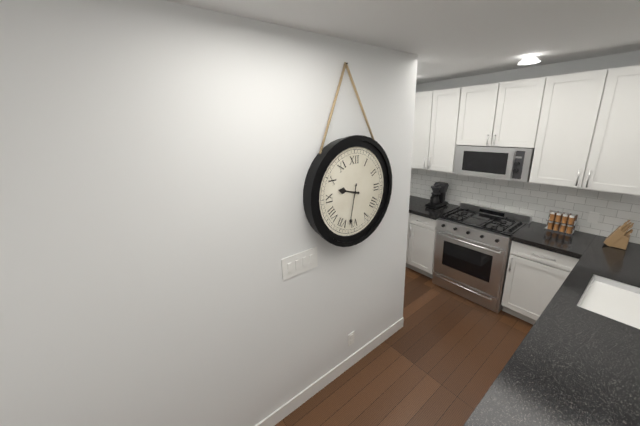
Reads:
9,32
